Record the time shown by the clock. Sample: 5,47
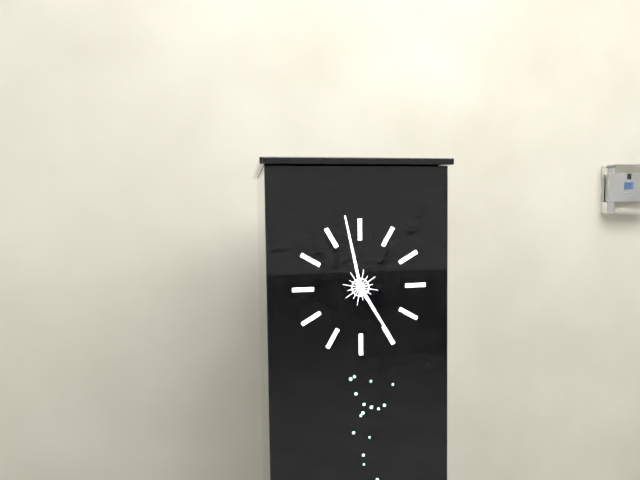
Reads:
4,58
